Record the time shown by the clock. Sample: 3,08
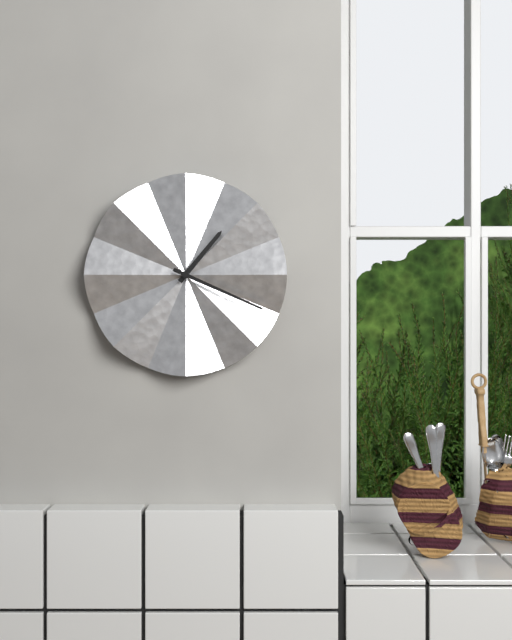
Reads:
1,19
